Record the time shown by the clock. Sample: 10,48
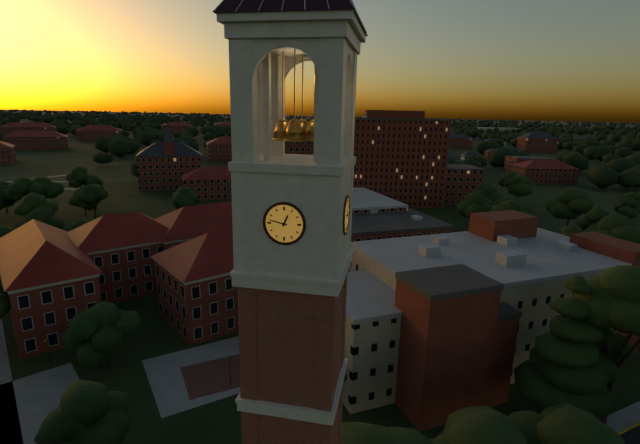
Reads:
12,47
